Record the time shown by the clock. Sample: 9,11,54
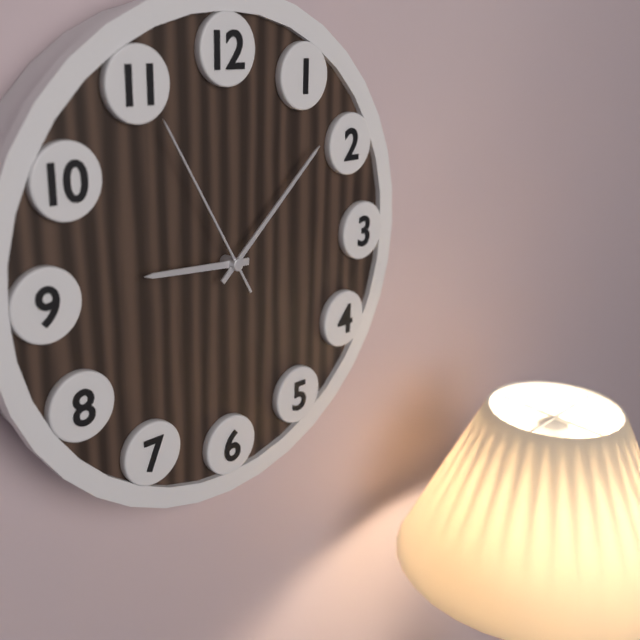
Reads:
9,08,55
